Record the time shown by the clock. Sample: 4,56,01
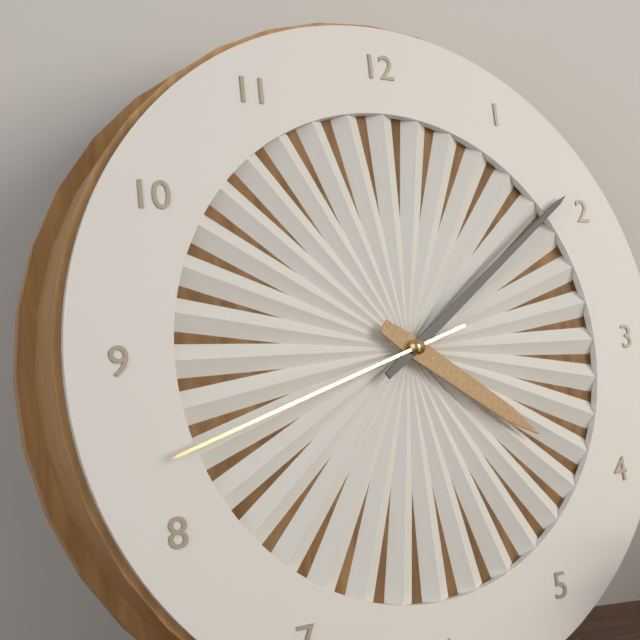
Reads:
4,09,42
